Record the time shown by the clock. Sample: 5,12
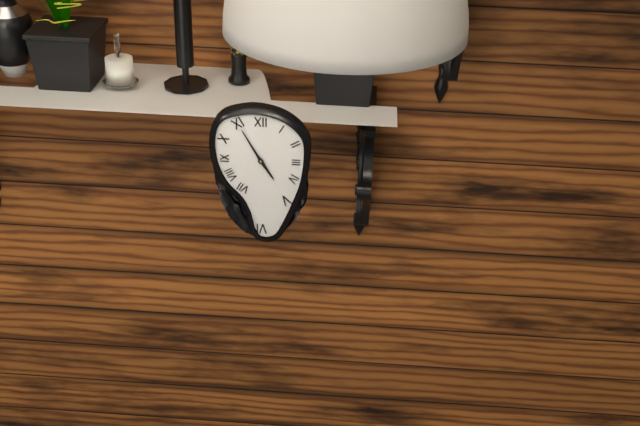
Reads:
4,55
